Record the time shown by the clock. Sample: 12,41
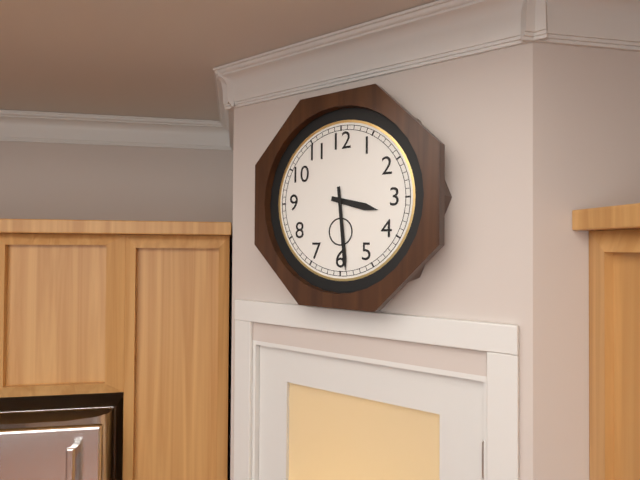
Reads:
3,29
